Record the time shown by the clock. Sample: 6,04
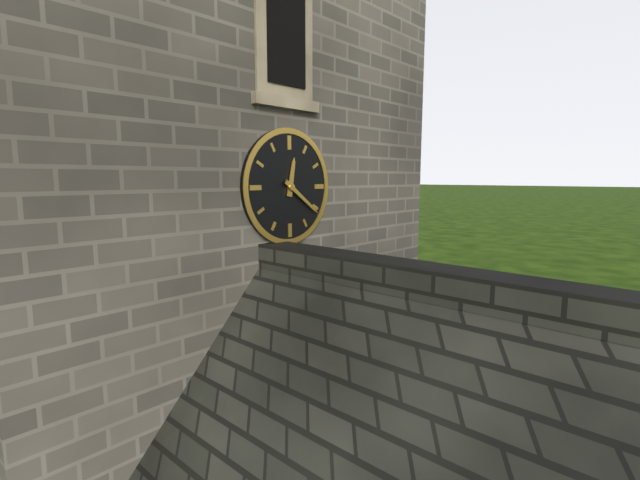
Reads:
12,21
